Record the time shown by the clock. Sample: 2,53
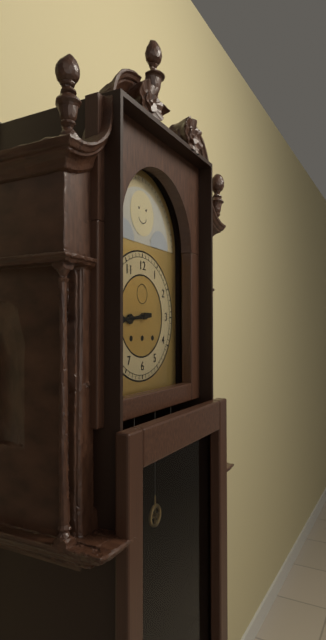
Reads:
8,44
